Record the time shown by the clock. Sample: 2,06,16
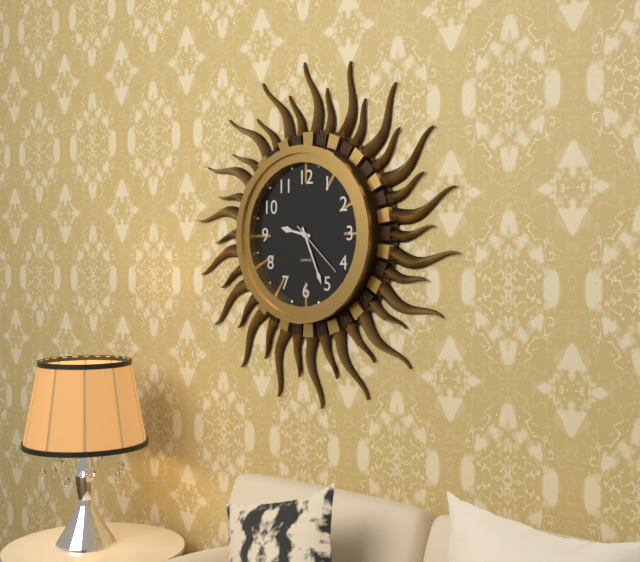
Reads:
9,26,22
